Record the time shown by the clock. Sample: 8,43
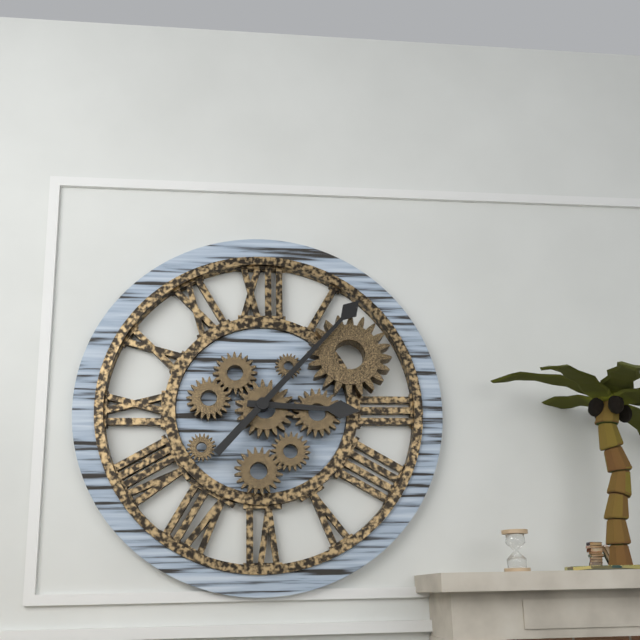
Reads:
3,07
